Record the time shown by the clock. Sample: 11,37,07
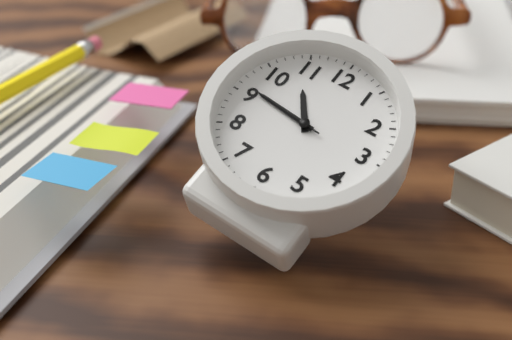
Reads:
10,46,46
